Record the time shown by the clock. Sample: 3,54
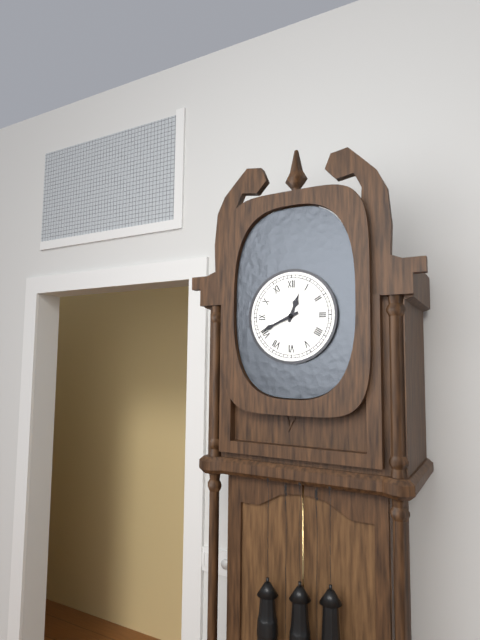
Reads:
12,41
